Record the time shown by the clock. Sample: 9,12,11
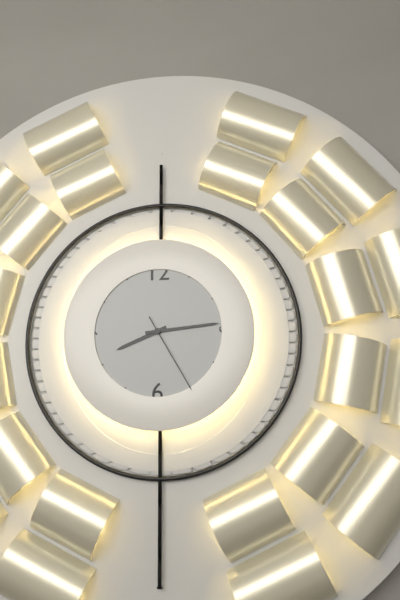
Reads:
8,14,25
